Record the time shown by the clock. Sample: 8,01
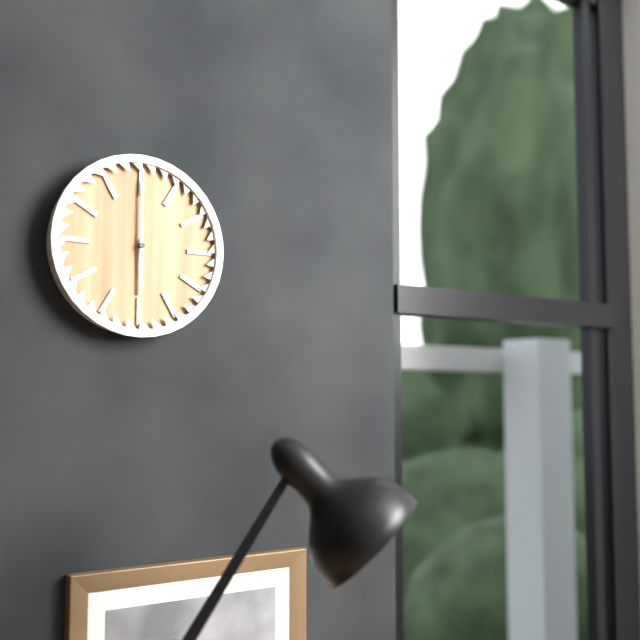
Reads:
6,00
